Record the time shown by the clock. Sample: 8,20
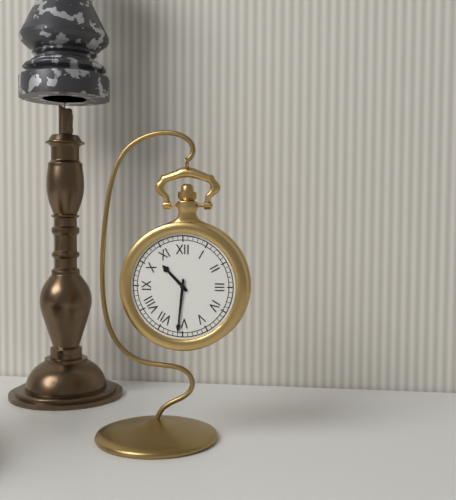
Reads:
10,31
